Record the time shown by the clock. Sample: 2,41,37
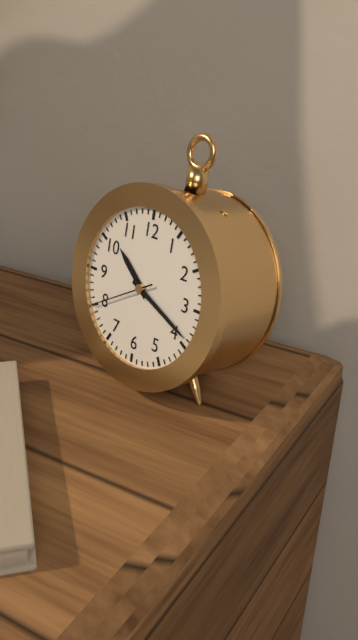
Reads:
10,19,40
